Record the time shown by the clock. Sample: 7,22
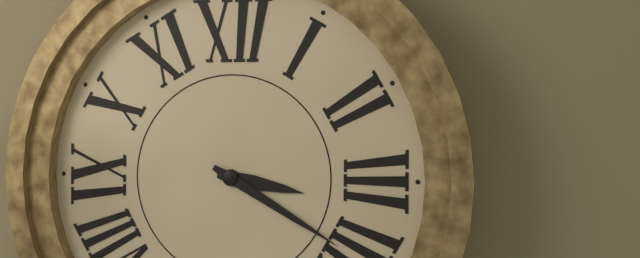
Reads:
3,20
